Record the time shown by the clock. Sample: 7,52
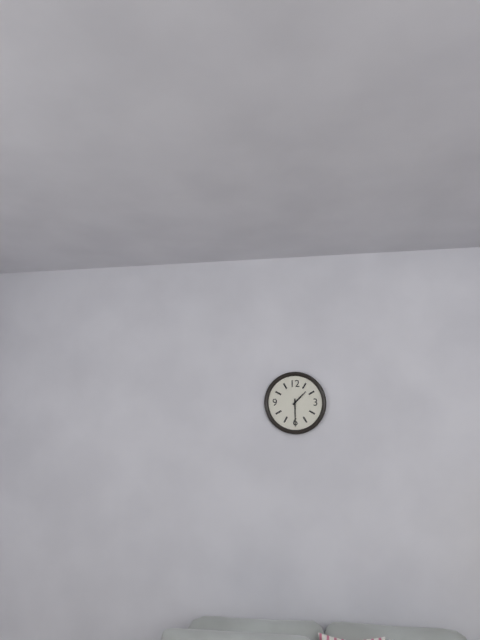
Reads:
1,30
